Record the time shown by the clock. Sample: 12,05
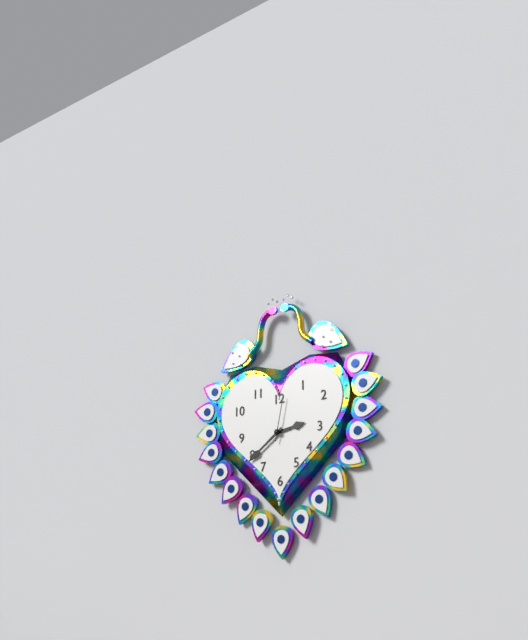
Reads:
2,39
